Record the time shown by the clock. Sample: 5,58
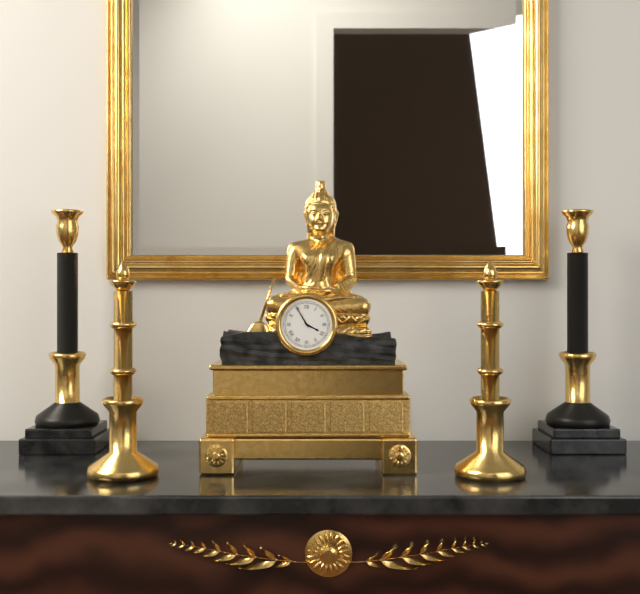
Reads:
3,55
